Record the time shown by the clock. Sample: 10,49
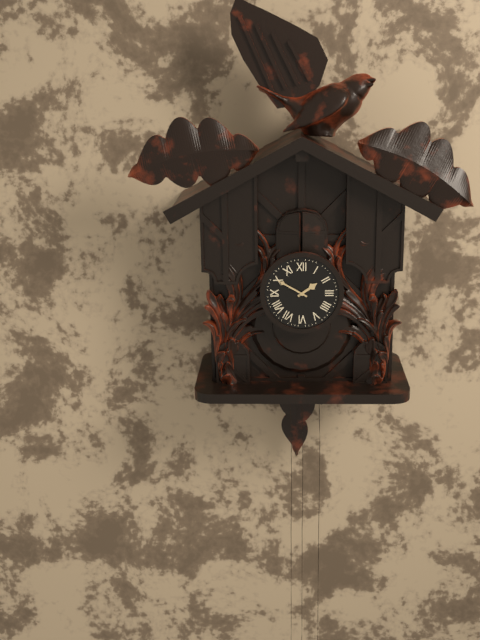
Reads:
1,50
